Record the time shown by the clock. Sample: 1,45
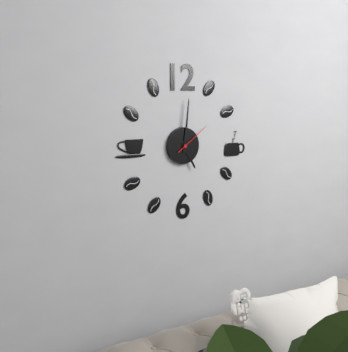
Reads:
5,01
